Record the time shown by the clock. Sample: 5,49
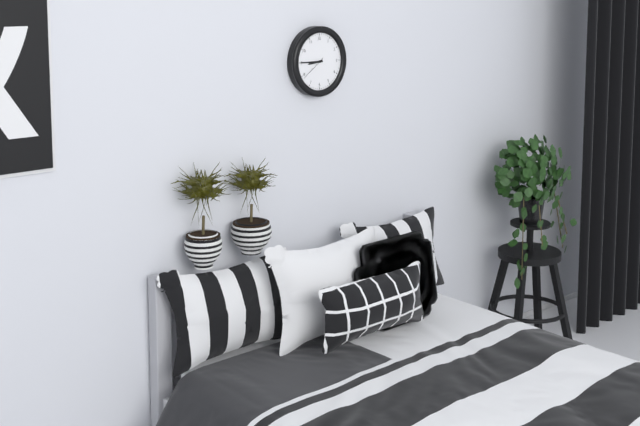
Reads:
8,45
